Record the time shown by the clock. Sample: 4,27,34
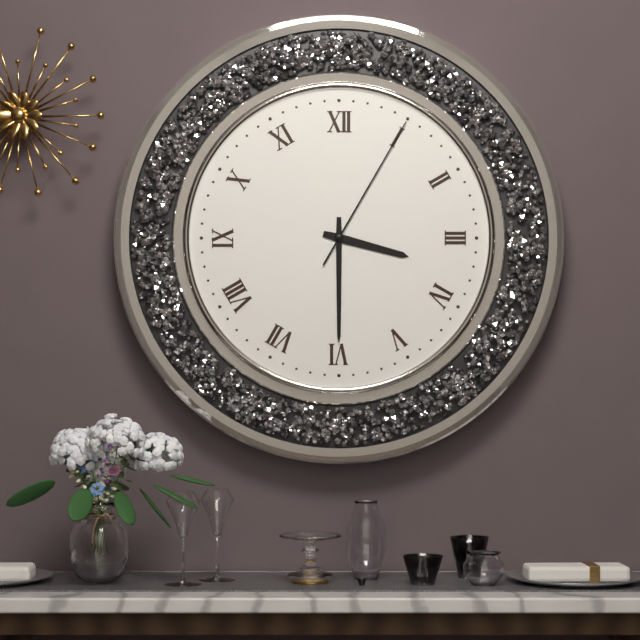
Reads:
3,30,05
